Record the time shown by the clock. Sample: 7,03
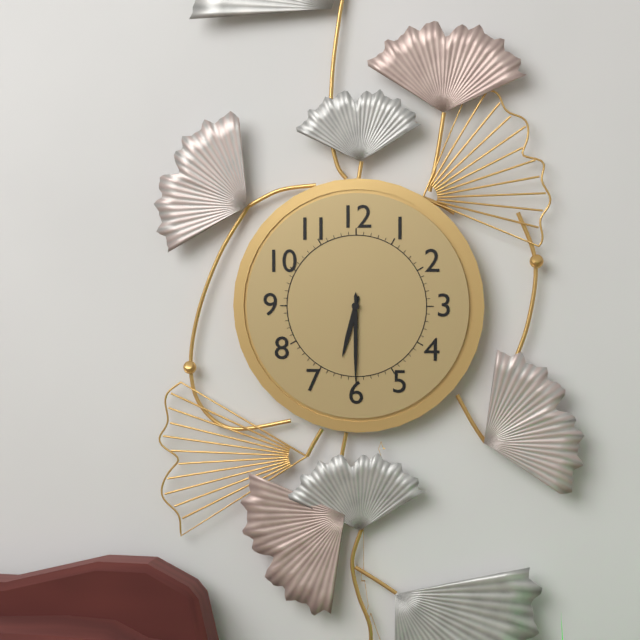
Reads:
6,30
